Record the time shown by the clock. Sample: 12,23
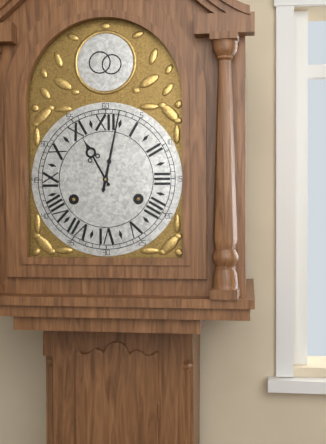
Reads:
11,02
